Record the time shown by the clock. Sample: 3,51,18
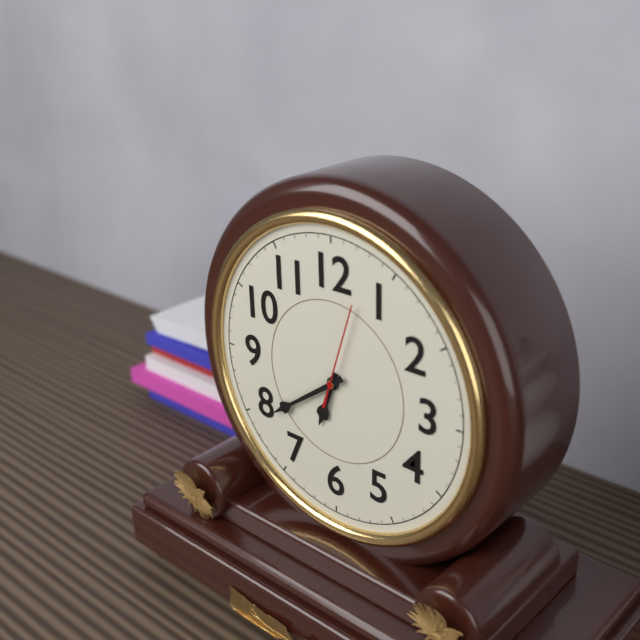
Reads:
6,39,03
